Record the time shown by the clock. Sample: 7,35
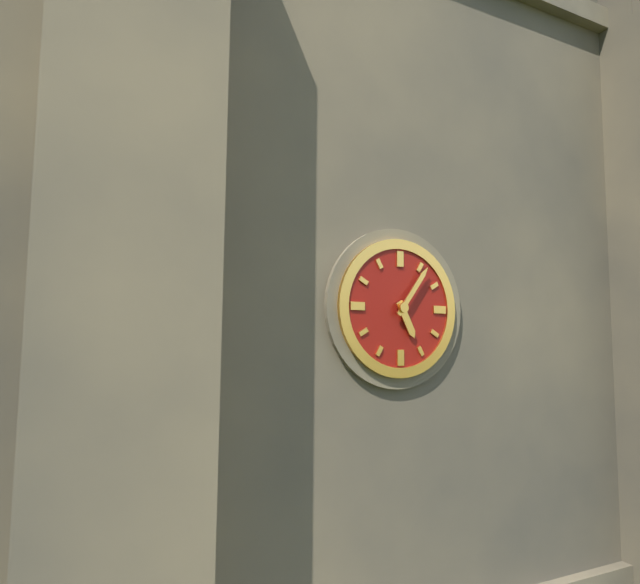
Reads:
5,06
